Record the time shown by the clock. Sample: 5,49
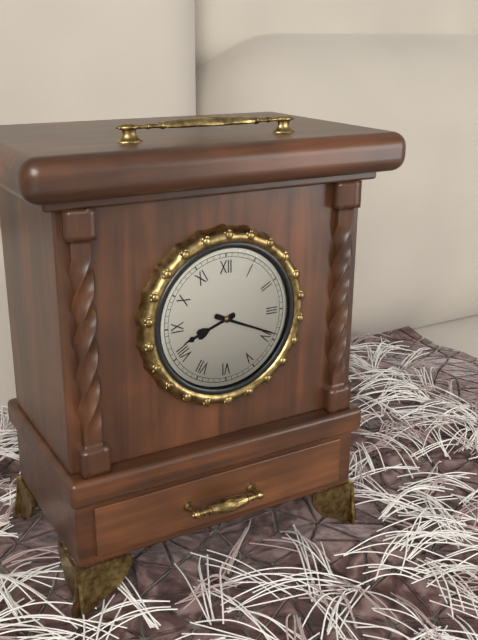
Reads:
8,19
